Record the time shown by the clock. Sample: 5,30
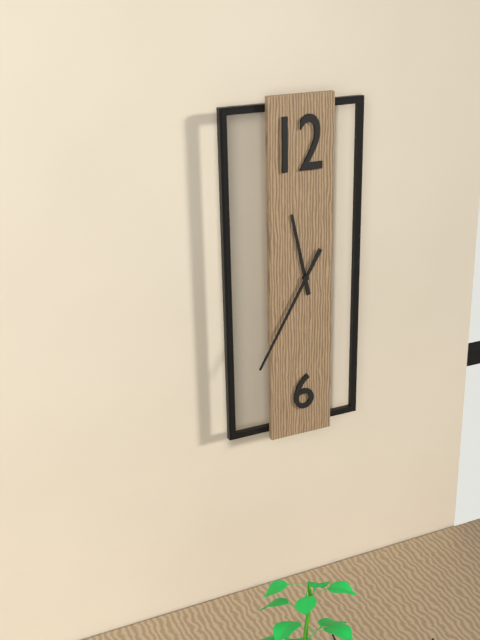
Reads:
11,35
